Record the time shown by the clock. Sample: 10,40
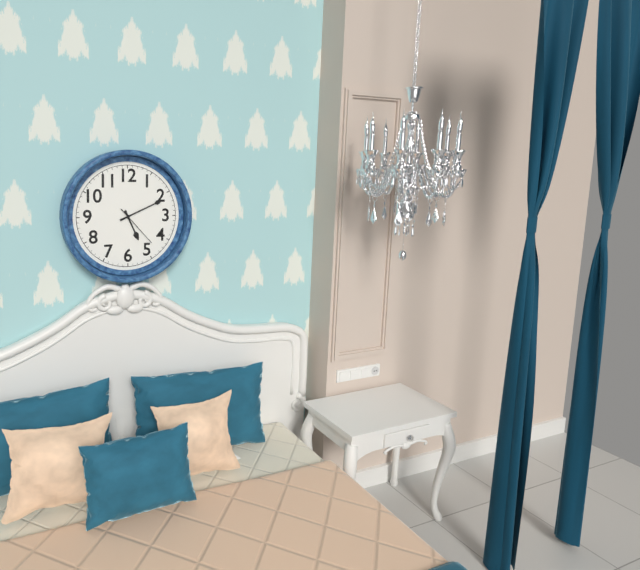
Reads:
5,11
